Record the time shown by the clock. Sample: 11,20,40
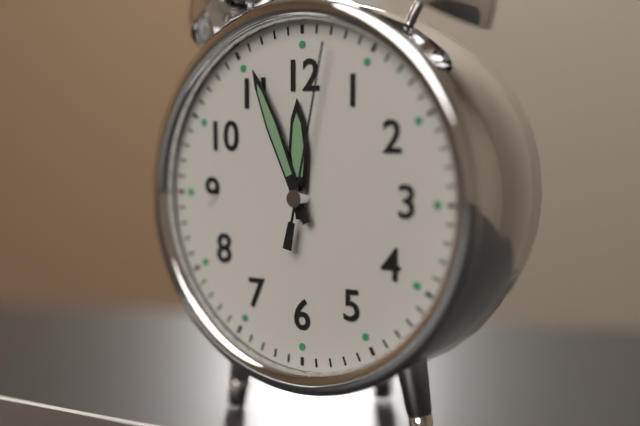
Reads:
11,56,02
